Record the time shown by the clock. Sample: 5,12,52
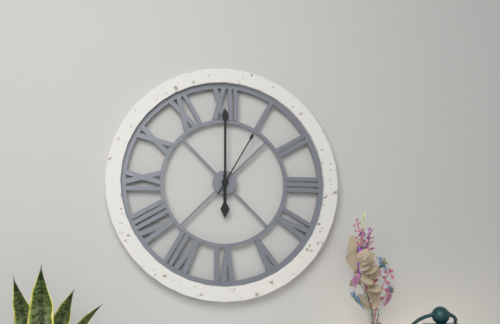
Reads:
6,00,05
